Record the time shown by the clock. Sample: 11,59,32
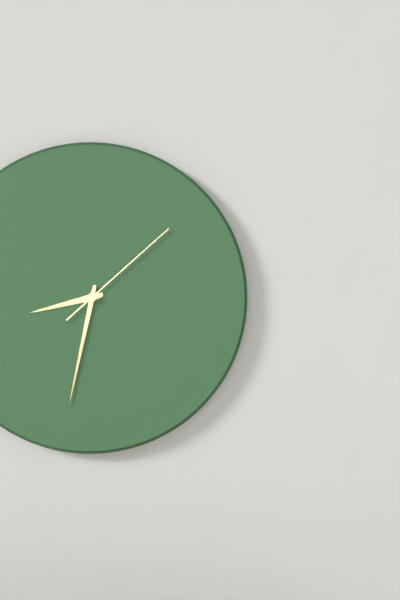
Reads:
8,32,08
